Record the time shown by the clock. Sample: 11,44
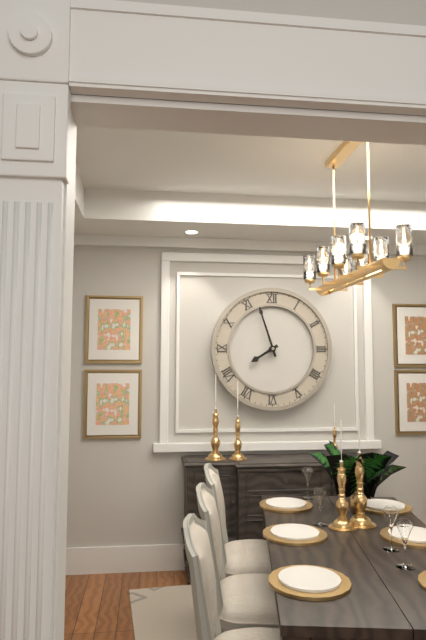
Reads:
7,57
